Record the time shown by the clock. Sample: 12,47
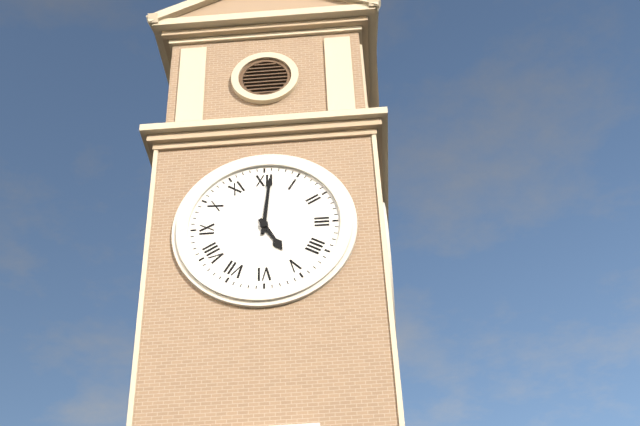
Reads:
5,01
